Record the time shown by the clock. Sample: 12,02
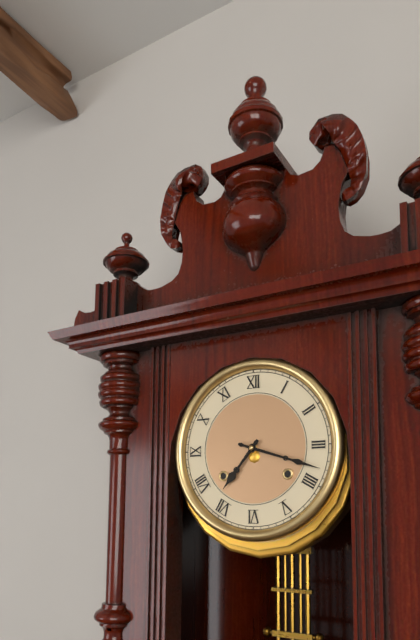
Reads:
7,18
